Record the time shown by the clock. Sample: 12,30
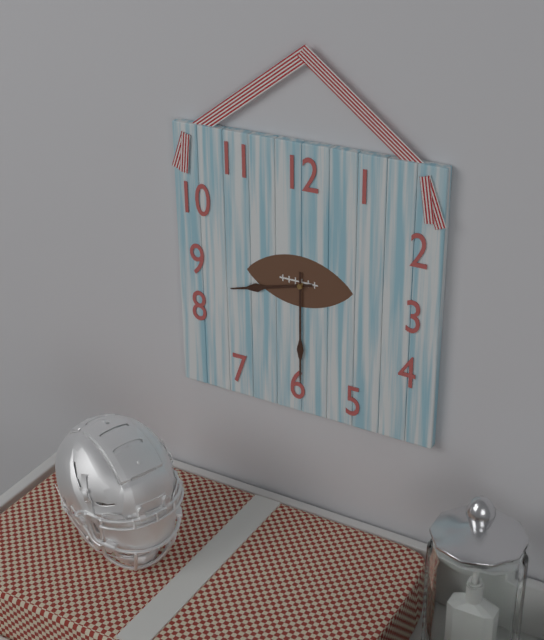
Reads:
8,30
